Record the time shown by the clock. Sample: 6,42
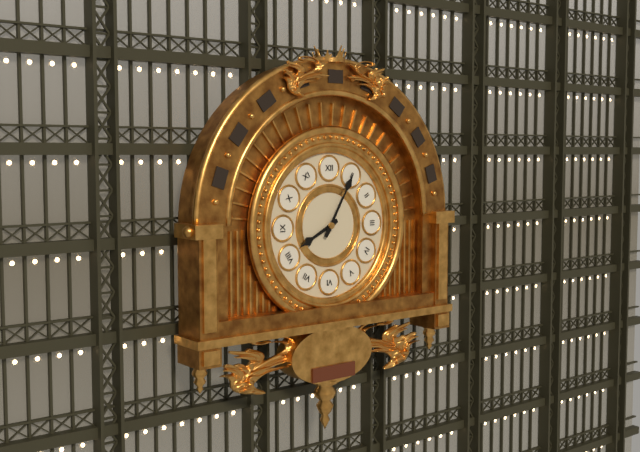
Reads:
8,05
